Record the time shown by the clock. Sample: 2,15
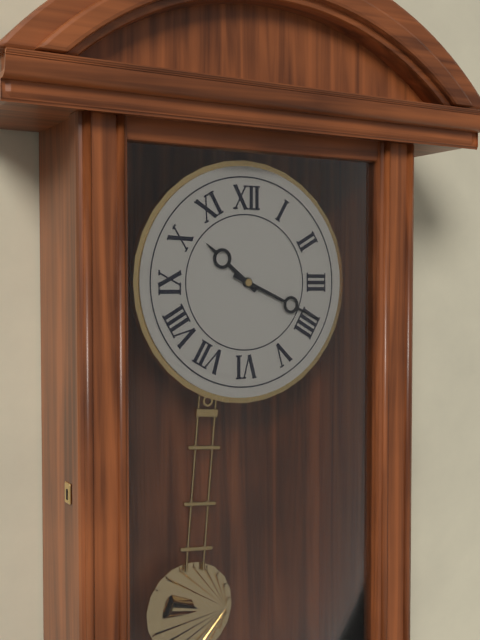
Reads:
10,19
